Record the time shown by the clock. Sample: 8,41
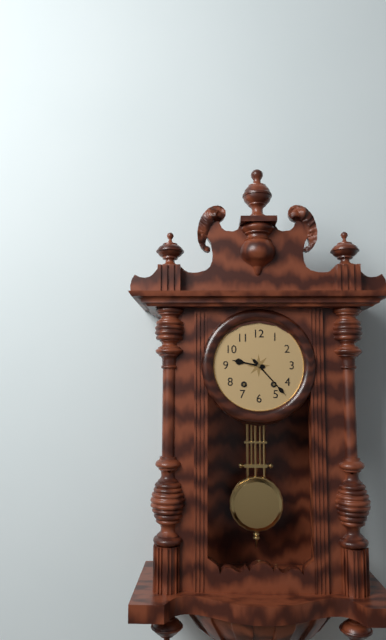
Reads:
9,23
